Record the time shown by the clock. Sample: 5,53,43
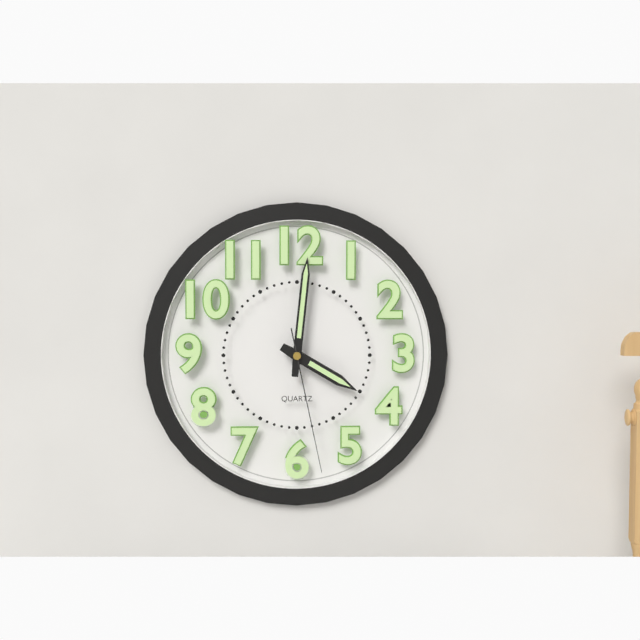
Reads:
4,01,28
